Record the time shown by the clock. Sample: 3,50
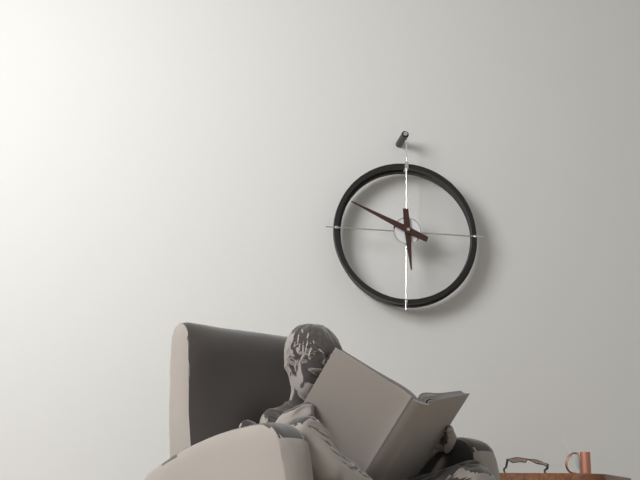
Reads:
5,49
